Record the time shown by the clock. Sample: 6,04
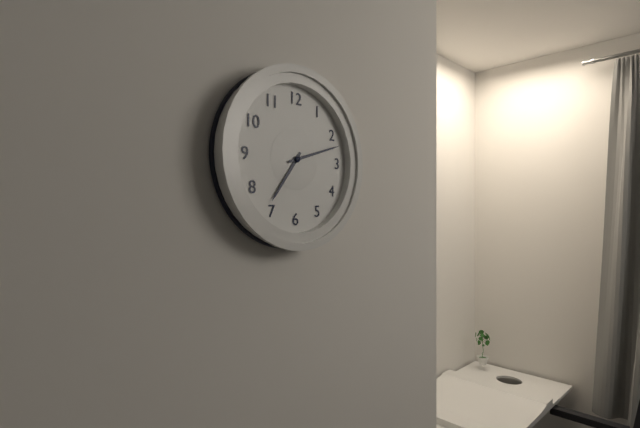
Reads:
7,12
